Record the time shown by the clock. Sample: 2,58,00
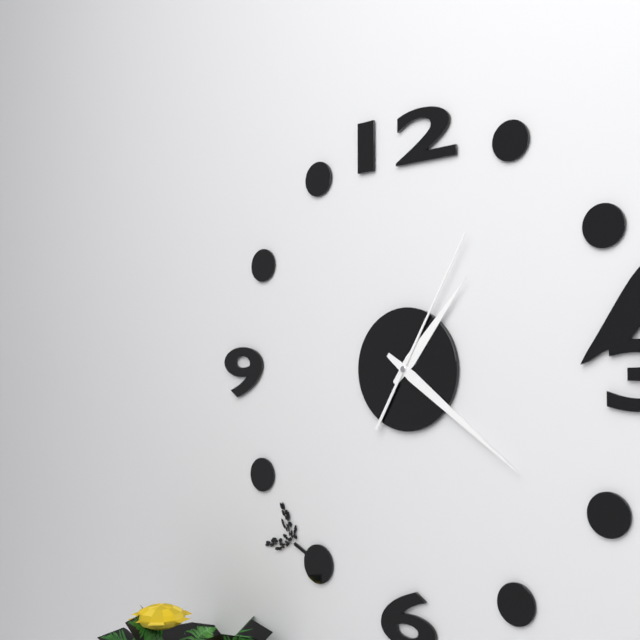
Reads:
1,21,05
